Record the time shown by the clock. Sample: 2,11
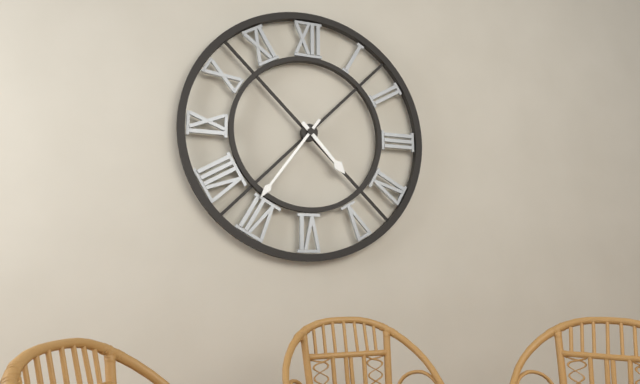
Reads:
4,36
